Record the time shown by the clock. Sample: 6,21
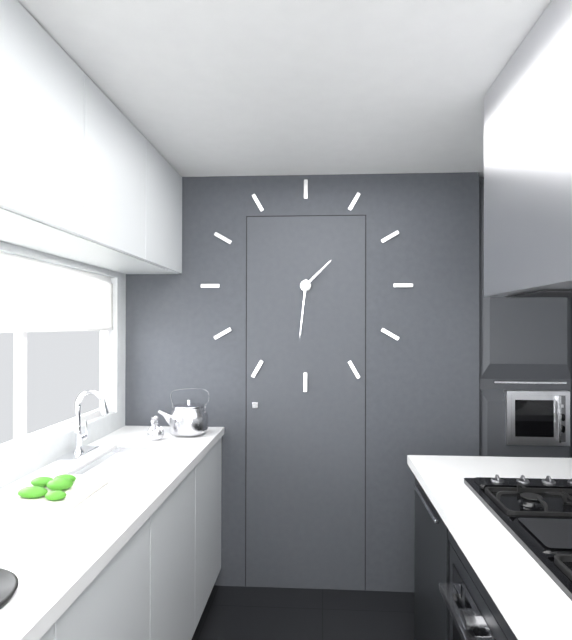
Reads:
1,31
